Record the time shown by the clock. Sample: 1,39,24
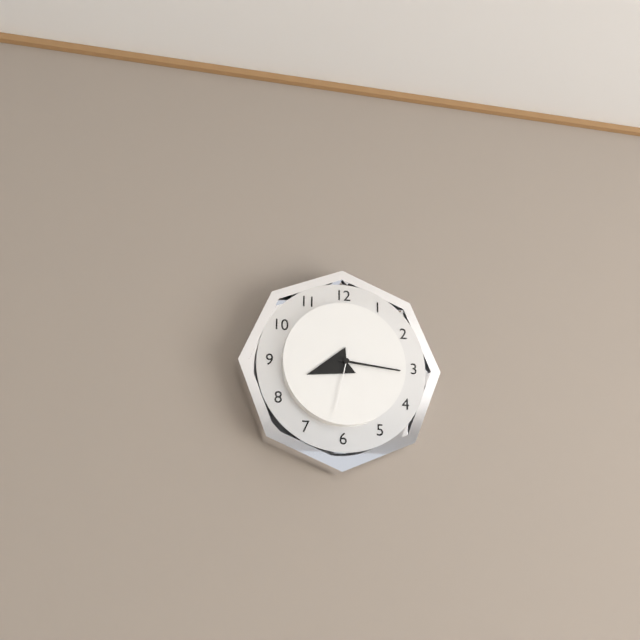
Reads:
8,16,32
